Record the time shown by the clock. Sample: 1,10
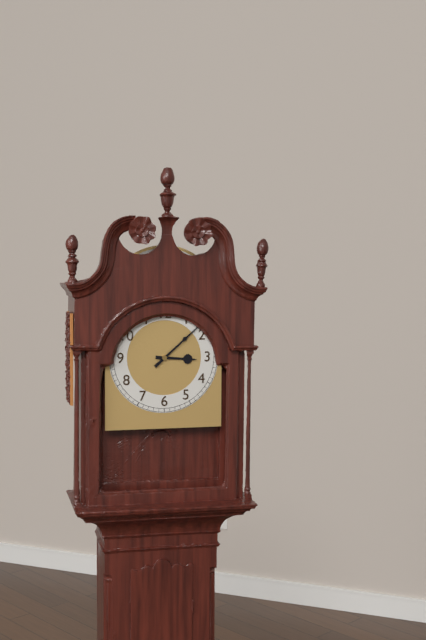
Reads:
3,08
